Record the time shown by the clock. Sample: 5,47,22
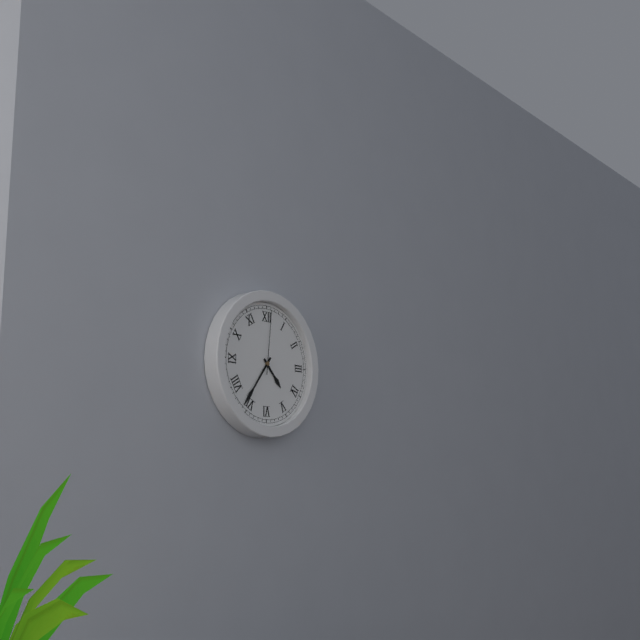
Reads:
4,36,01
